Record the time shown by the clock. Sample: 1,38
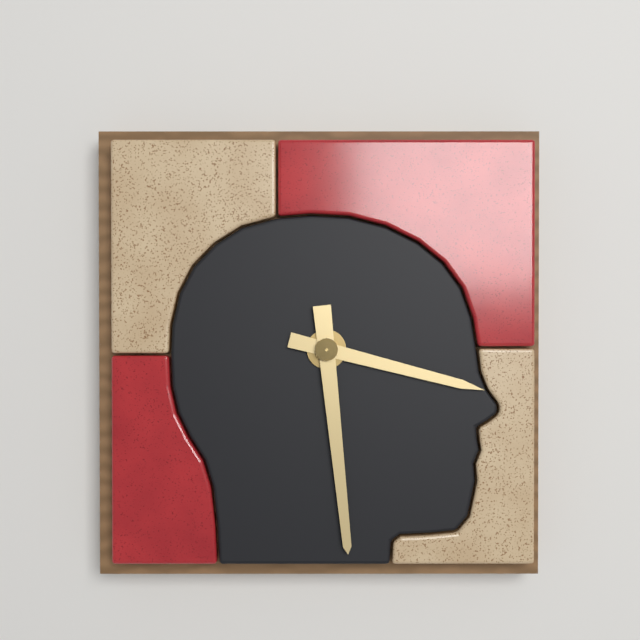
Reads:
3,29
